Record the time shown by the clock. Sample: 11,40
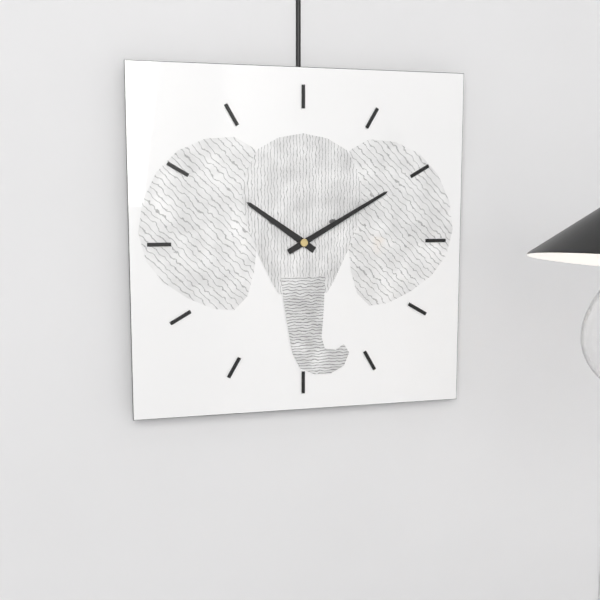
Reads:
10,10
